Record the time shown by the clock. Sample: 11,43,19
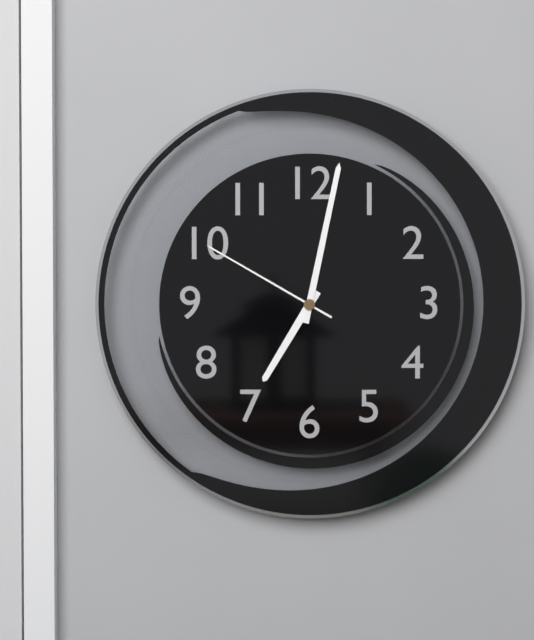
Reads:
7,02,50
